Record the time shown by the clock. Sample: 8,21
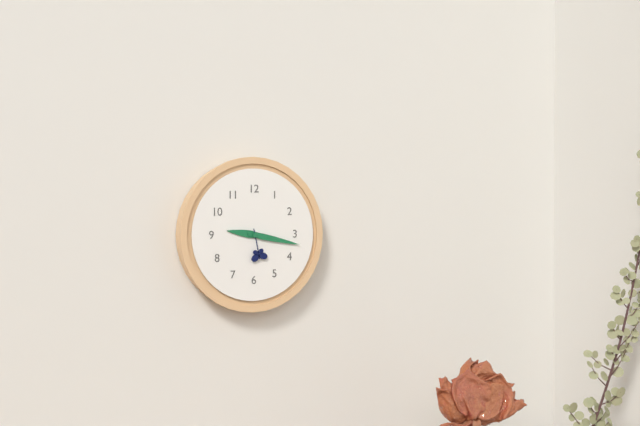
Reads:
9,17
